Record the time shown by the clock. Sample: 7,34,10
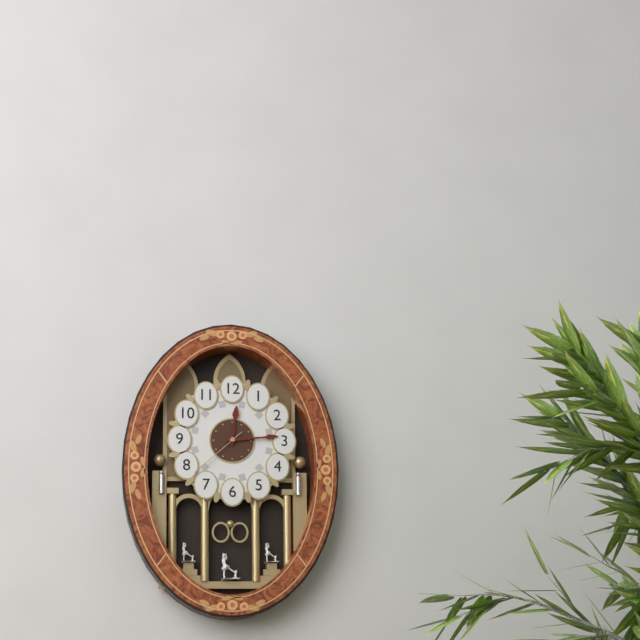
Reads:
12,14,38
